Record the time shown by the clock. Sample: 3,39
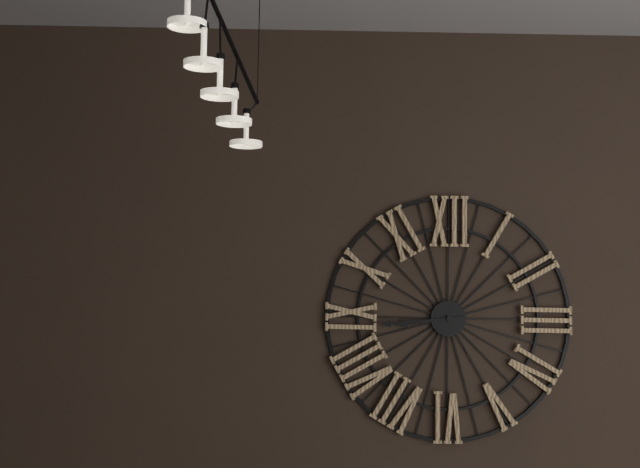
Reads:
8,44
